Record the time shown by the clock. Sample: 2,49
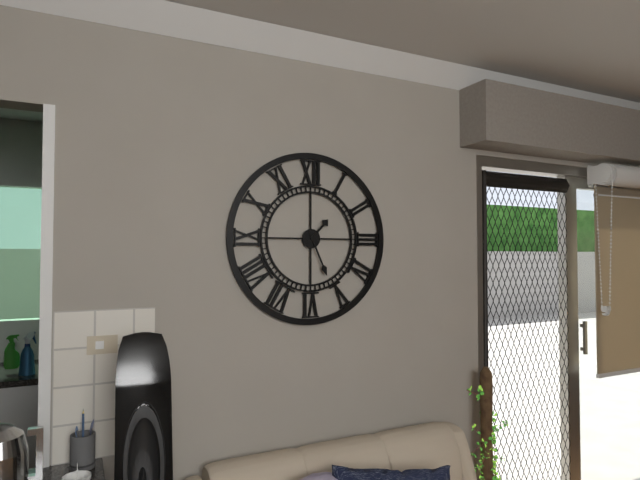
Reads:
1,26
